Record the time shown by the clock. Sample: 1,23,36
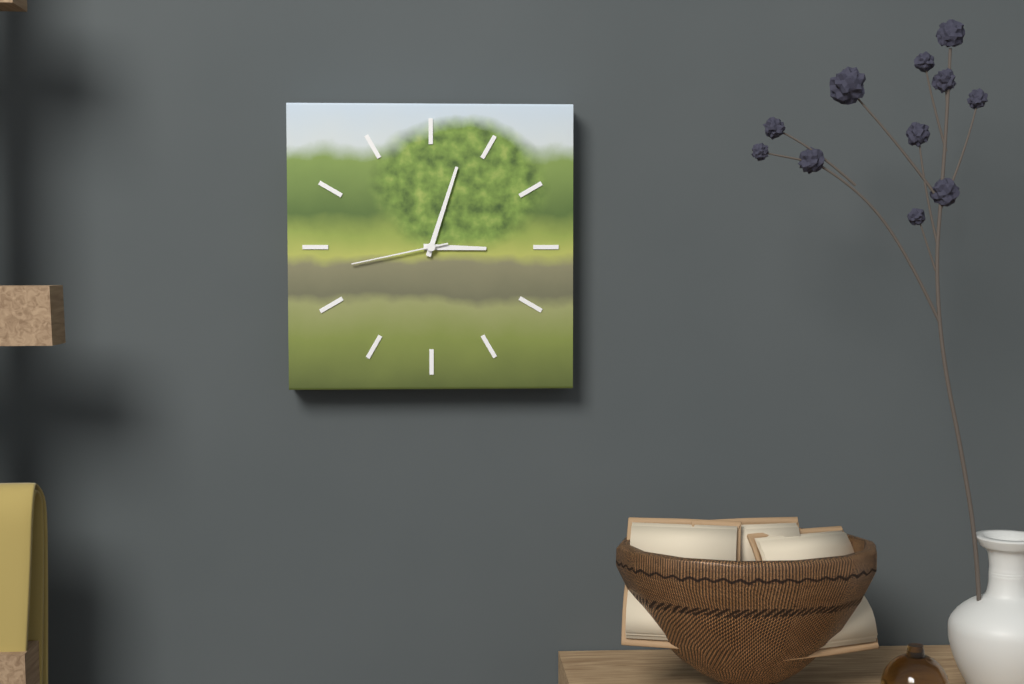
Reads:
3,03,43
